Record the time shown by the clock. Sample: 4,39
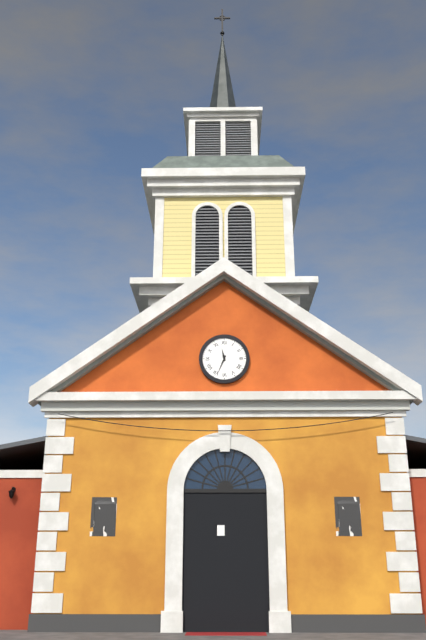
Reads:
11,34
